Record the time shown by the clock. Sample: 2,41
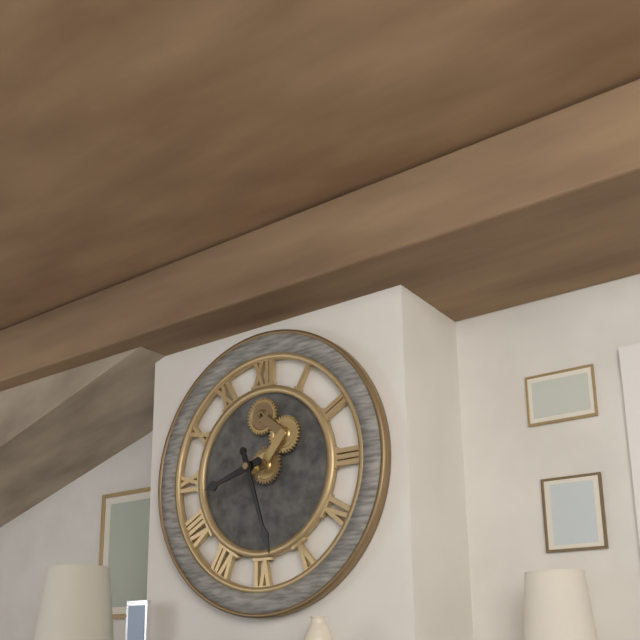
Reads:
8,27
